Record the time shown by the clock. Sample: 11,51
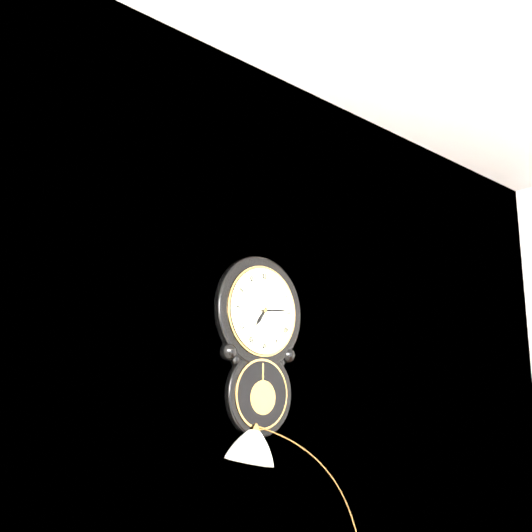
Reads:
7,14
